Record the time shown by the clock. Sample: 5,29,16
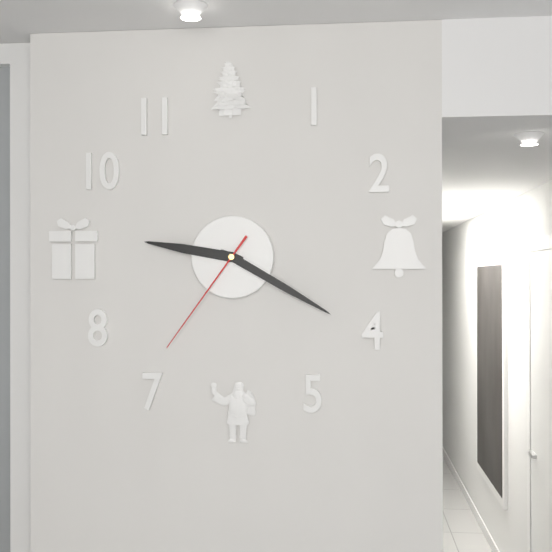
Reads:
9,20,36
